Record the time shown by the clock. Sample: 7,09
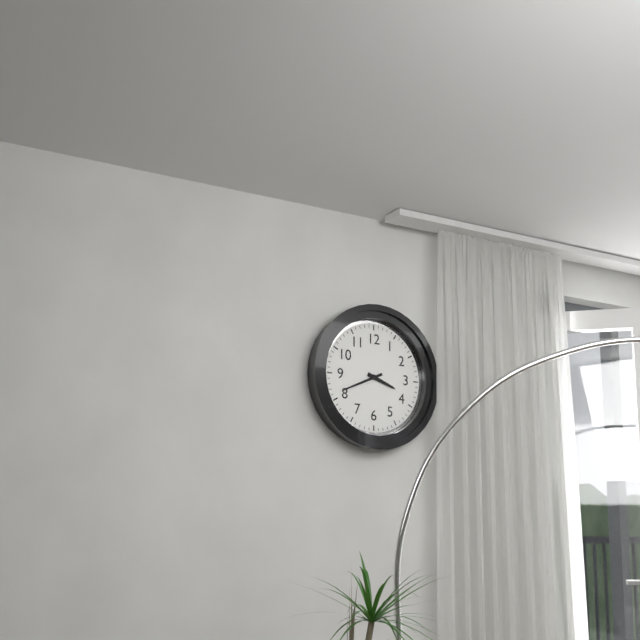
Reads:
3,41
